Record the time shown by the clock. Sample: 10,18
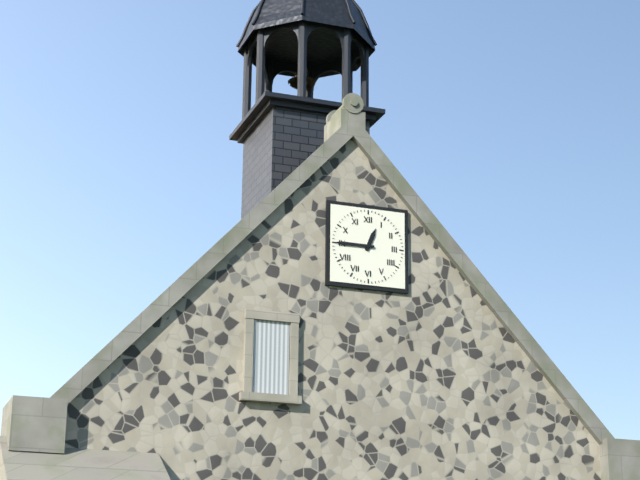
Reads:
12,45
